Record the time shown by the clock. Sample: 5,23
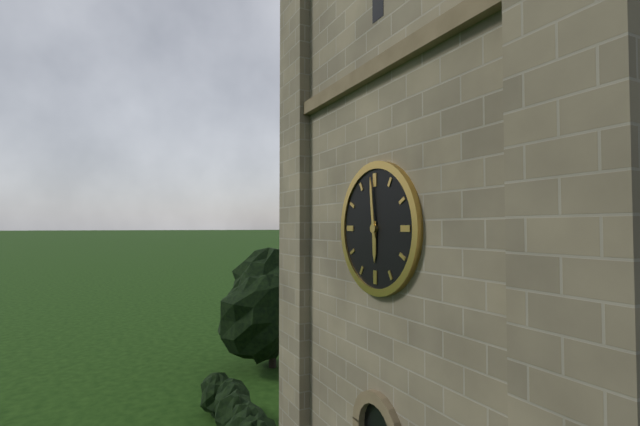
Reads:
5,59
